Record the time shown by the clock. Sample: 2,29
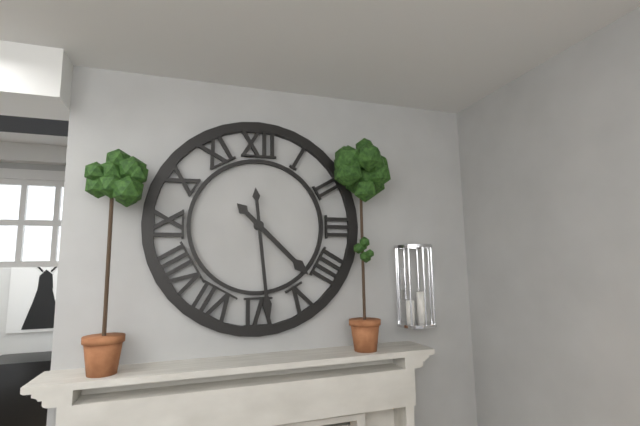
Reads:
4,29
